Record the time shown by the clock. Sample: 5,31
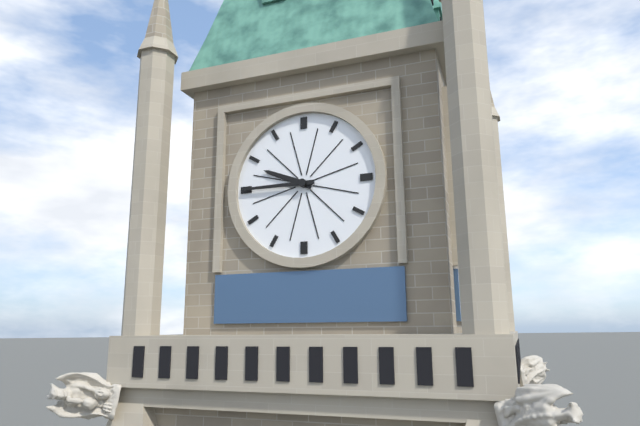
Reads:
9,45
